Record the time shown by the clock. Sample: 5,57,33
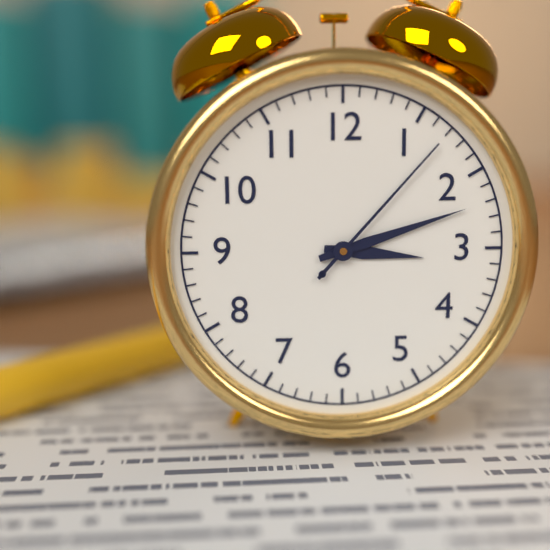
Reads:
3,12,07
